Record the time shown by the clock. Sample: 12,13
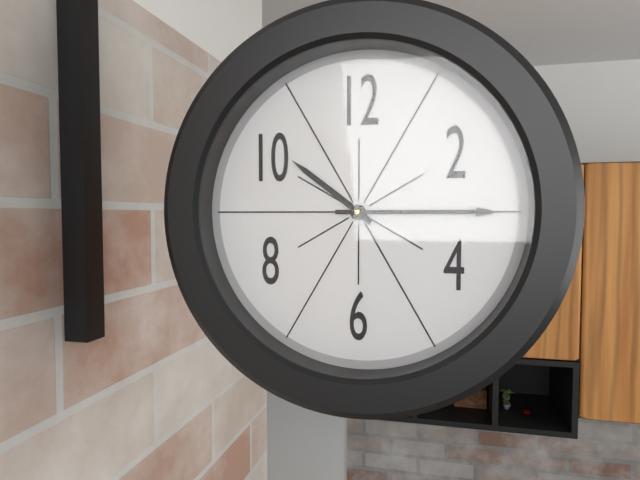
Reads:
10,15
